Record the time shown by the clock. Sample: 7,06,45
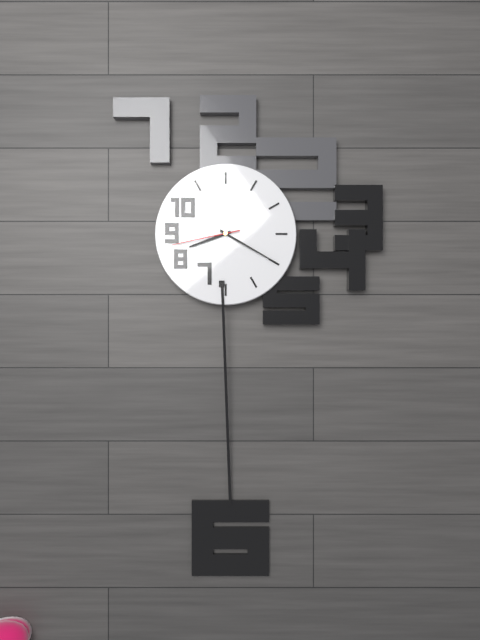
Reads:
8,20,43
